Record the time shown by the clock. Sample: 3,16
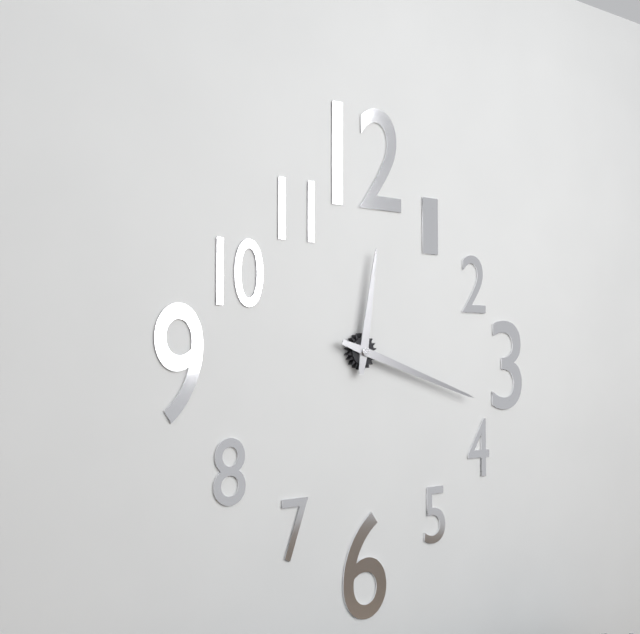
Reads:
12,18
